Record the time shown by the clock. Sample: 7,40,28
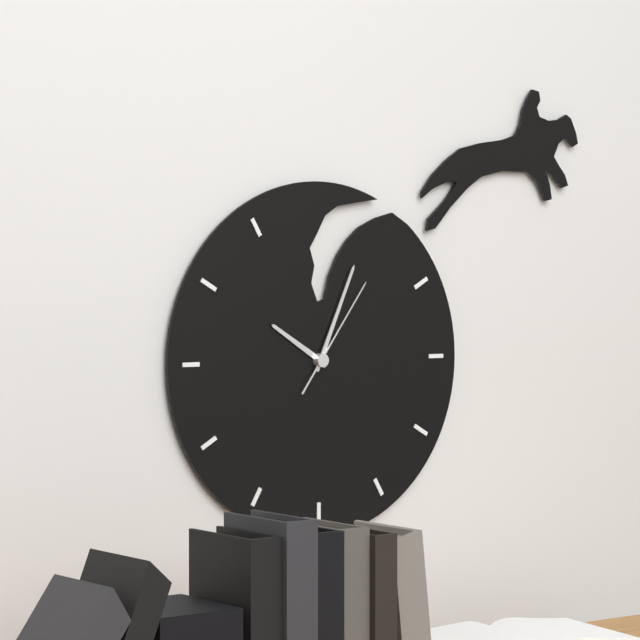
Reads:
10,04,06
